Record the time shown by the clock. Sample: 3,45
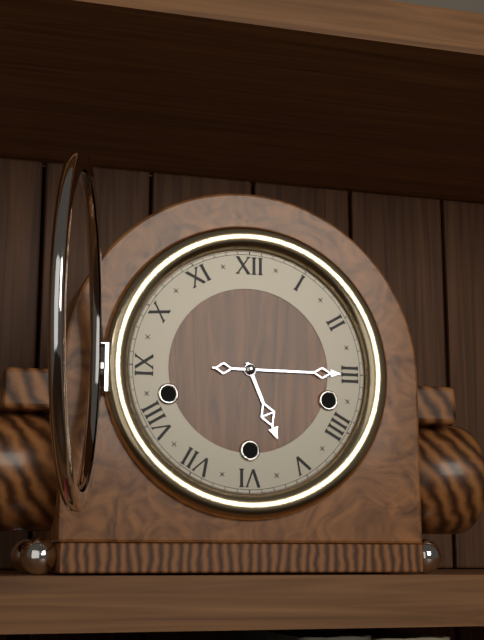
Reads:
5,15
